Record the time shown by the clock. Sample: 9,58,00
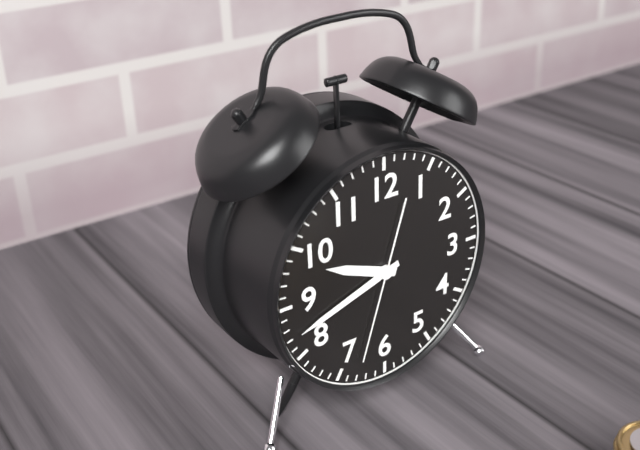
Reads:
9,42,33
